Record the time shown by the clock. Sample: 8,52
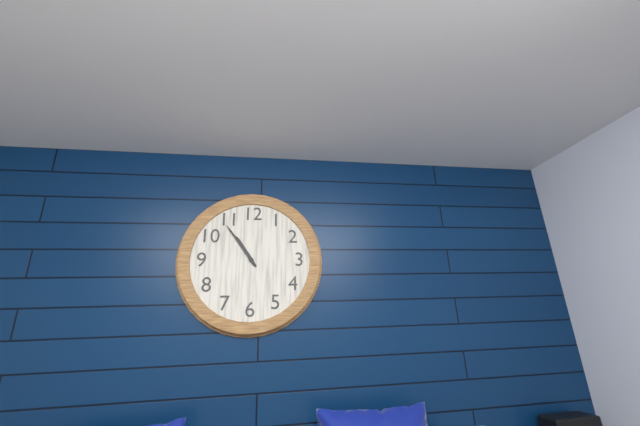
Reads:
10,54
